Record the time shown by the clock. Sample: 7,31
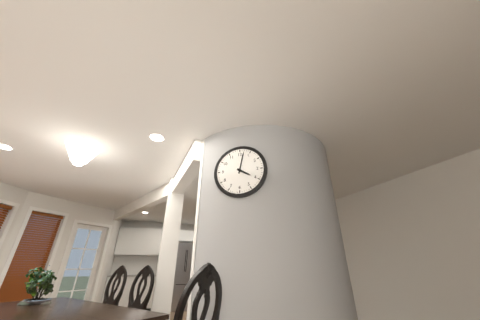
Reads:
4,02
